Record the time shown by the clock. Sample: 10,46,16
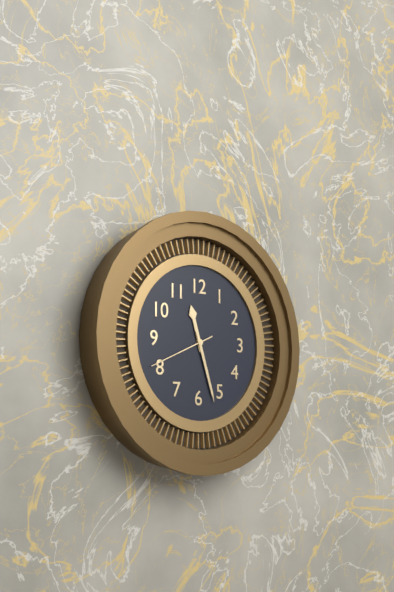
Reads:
11,27,41
